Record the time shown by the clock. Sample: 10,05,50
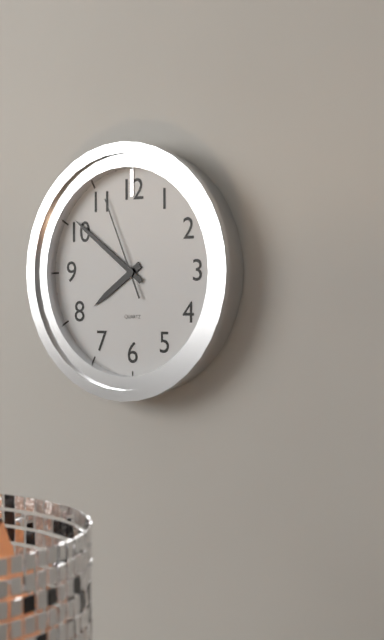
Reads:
7,51,56
